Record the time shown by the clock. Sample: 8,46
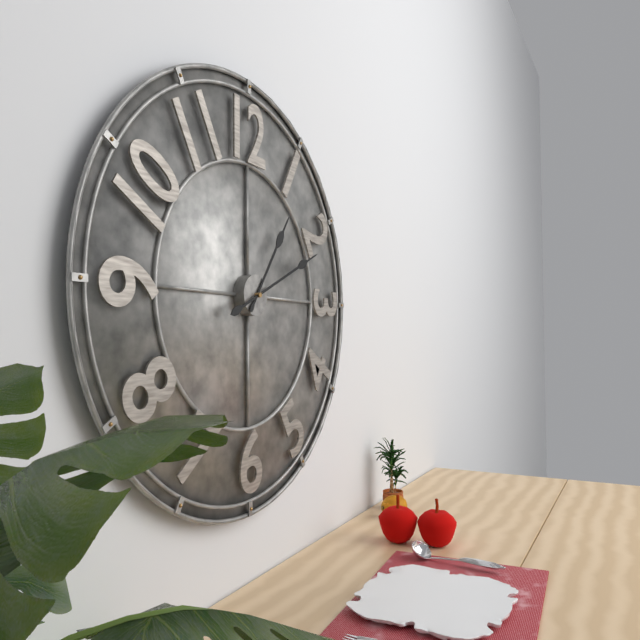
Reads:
1,11
